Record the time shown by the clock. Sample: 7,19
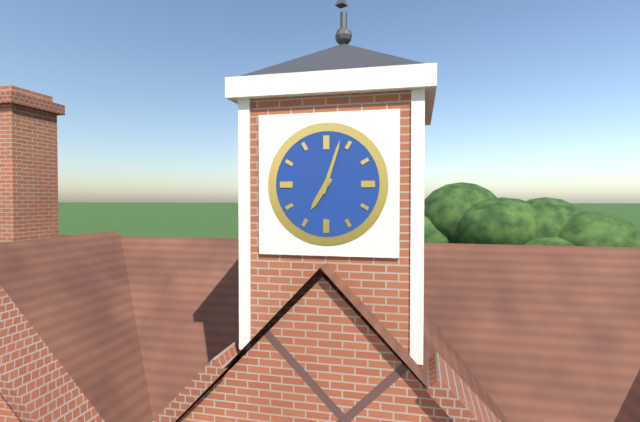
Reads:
7,03
